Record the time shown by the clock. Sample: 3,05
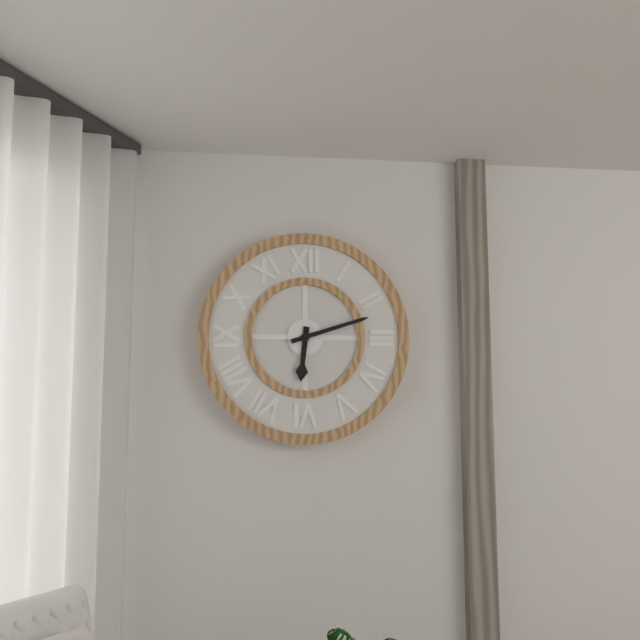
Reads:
6,12
